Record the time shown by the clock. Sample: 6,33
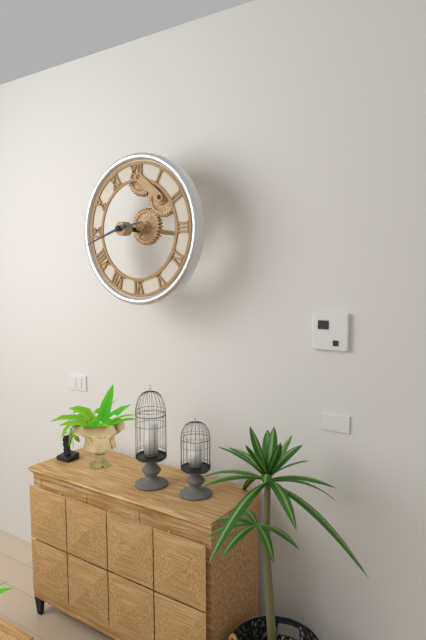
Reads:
2,42
